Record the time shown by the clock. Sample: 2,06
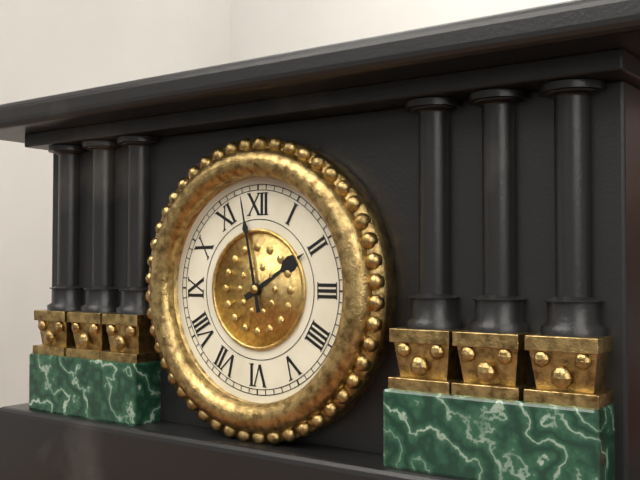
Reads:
1,58
